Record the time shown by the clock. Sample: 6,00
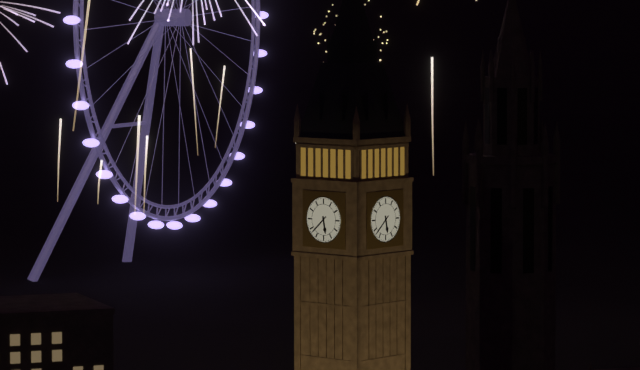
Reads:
5,38
